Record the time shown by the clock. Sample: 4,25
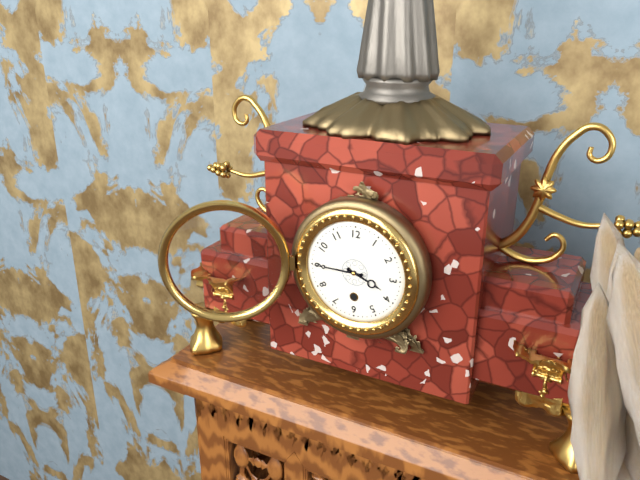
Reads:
3,45
